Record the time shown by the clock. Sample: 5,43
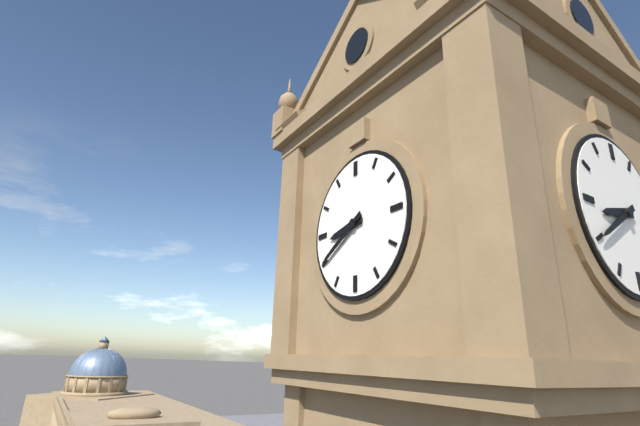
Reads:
8,40
